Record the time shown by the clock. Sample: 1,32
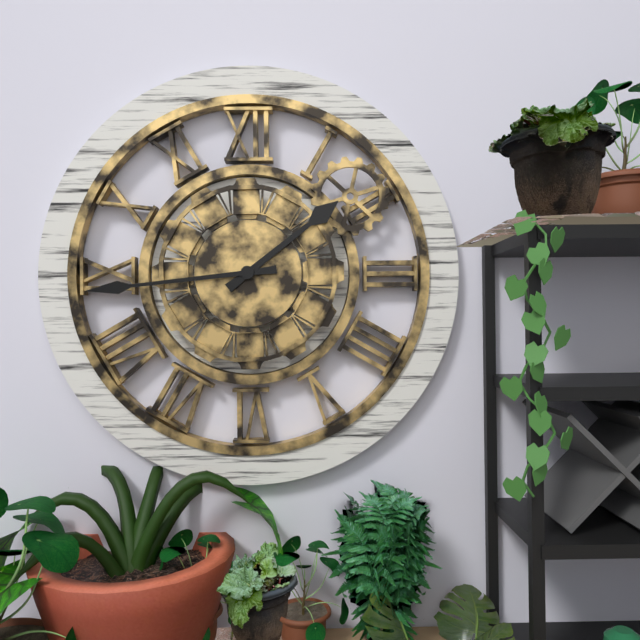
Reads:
1,44
